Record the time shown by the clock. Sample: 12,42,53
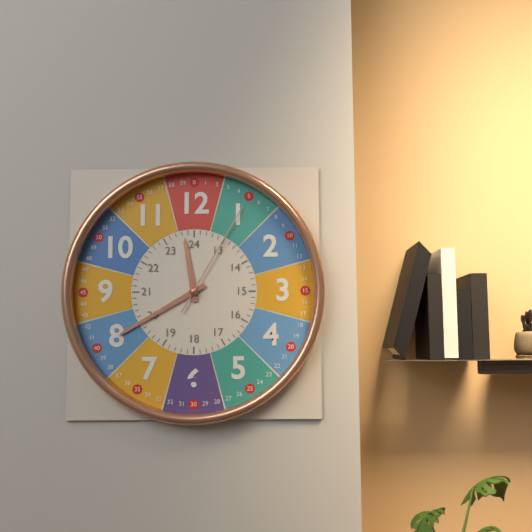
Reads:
11,40,05
